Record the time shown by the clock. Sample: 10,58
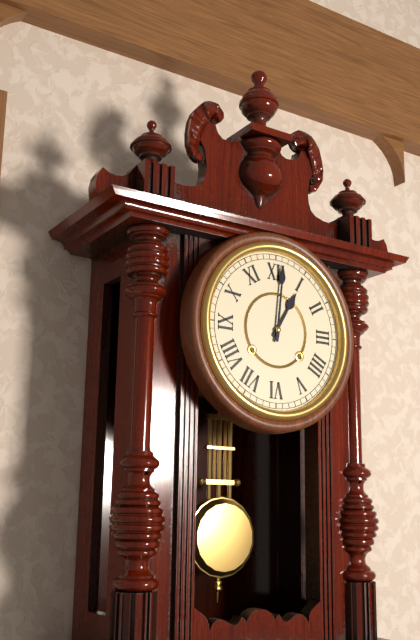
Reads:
1,01
